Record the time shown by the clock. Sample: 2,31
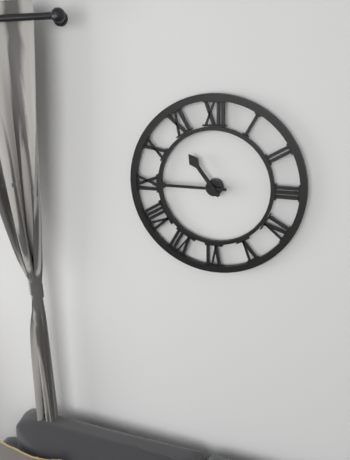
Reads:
10,45
